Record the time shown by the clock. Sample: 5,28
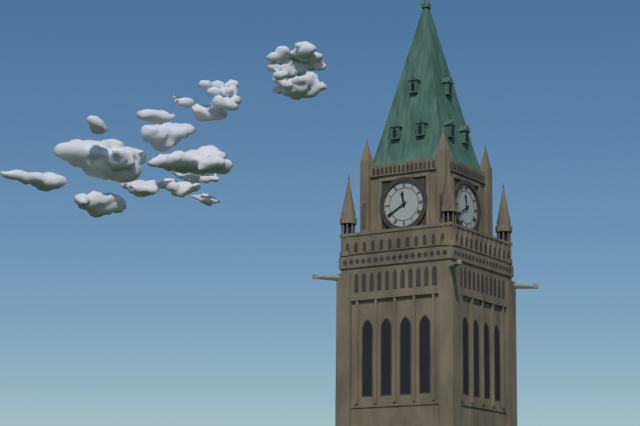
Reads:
11,40
